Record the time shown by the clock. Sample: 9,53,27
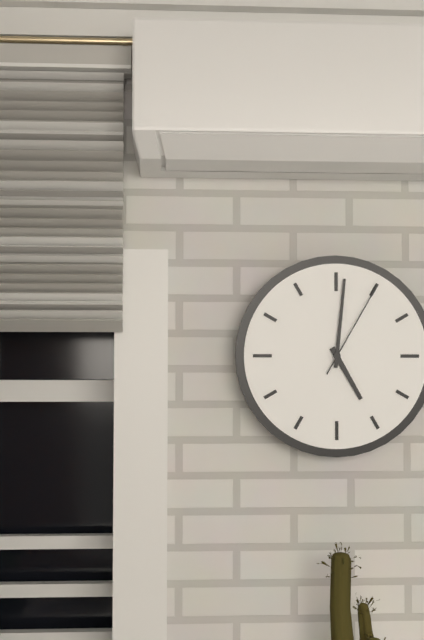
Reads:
5,01,05
